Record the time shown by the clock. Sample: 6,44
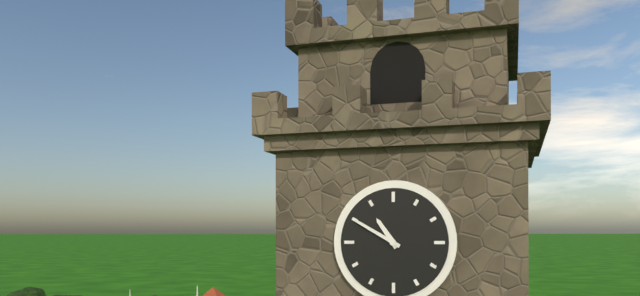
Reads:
10,50
